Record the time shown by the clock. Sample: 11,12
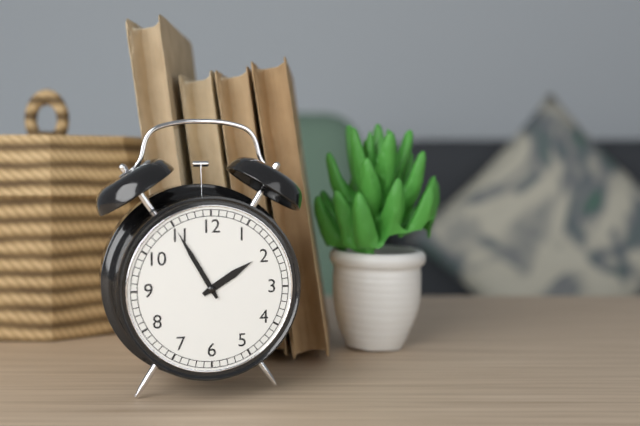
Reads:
1,55
